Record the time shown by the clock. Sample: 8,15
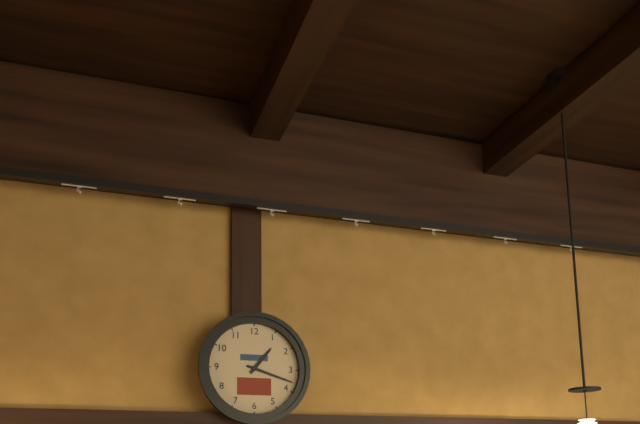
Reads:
1,18
